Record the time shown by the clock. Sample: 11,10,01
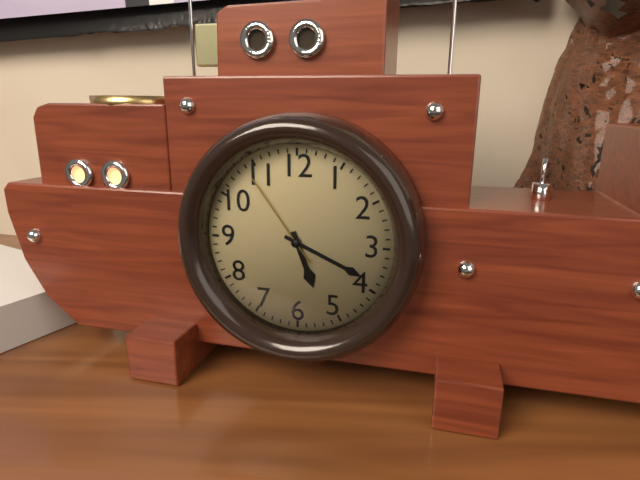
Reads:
5,19,54
